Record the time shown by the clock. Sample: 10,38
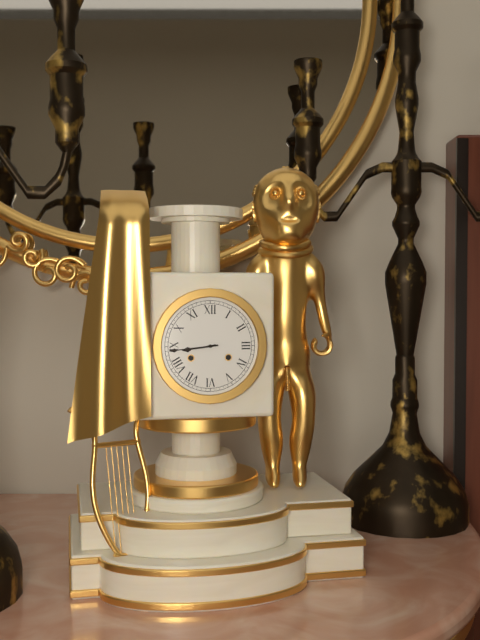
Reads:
8,44
